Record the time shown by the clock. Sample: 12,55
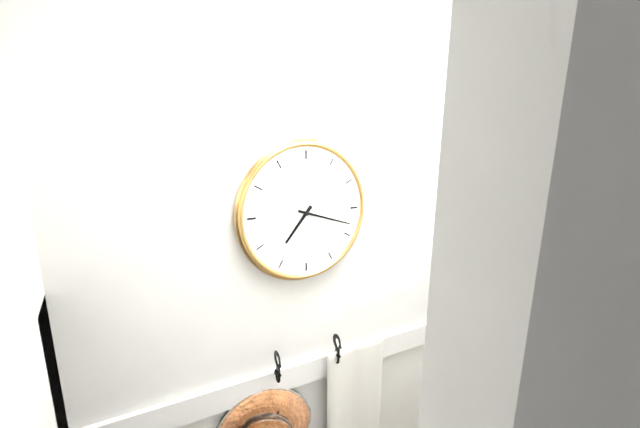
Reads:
7,18
